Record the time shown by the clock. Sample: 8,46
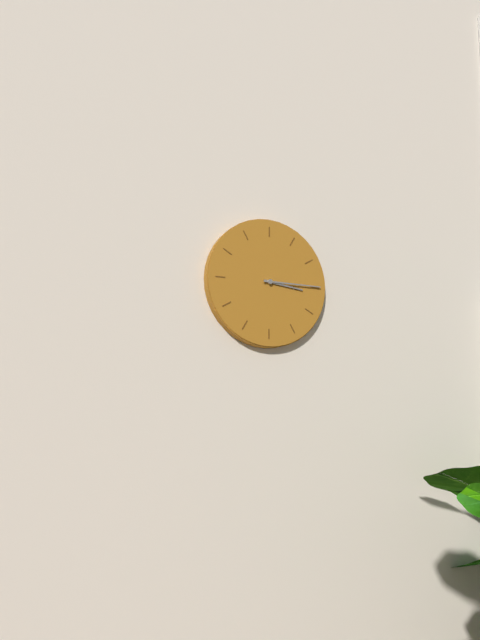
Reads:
3,15
